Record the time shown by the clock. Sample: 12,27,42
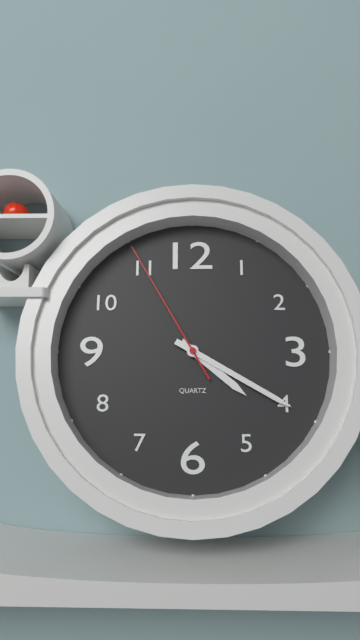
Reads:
4,20,55
